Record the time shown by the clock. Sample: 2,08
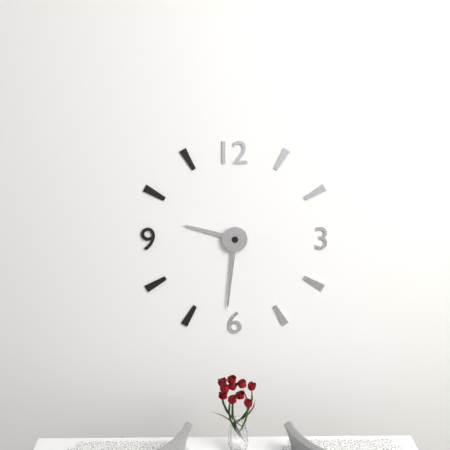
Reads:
9,31
